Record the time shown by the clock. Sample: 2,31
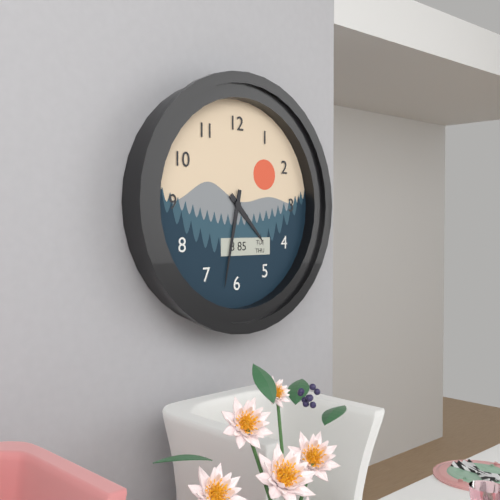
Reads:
4,32
